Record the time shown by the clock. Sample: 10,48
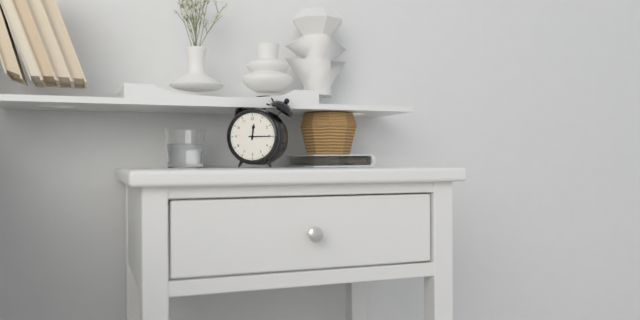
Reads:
12,15
